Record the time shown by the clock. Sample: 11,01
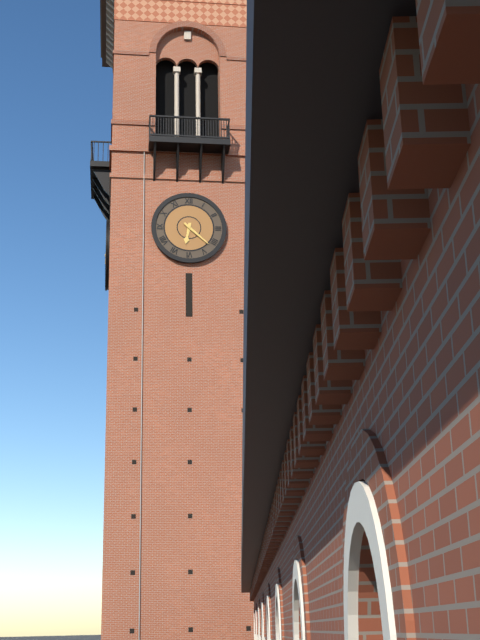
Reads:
6,22
